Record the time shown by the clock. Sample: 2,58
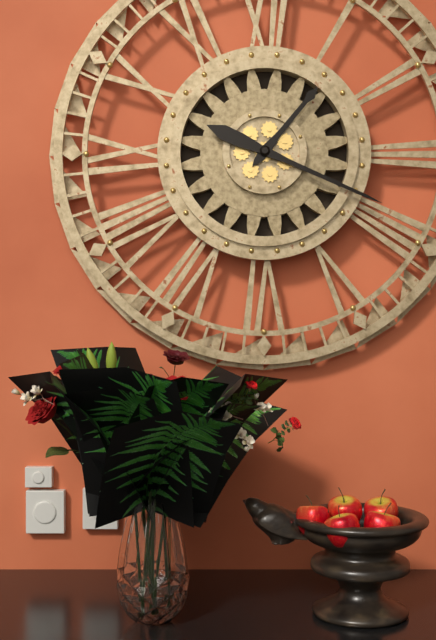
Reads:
1,19
